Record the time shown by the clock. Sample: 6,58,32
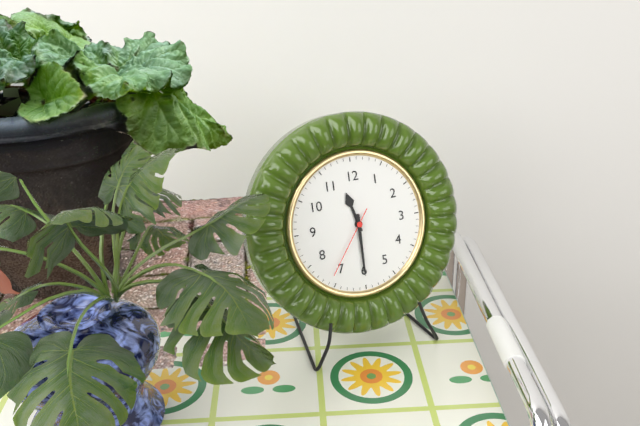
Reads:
11,30,36
